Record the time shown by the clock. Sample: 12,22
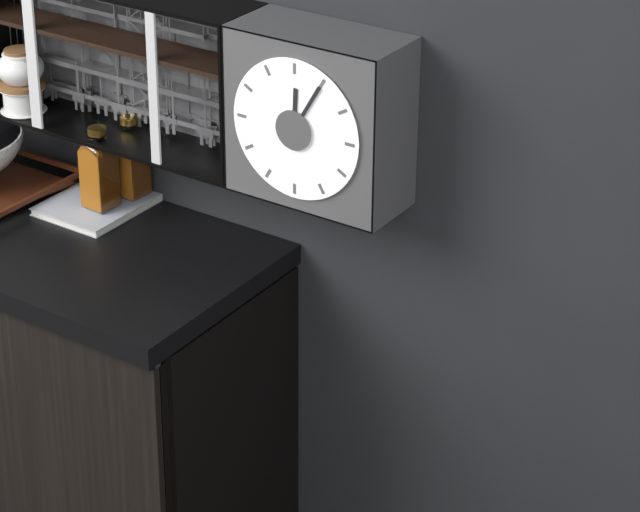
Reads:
12,05
